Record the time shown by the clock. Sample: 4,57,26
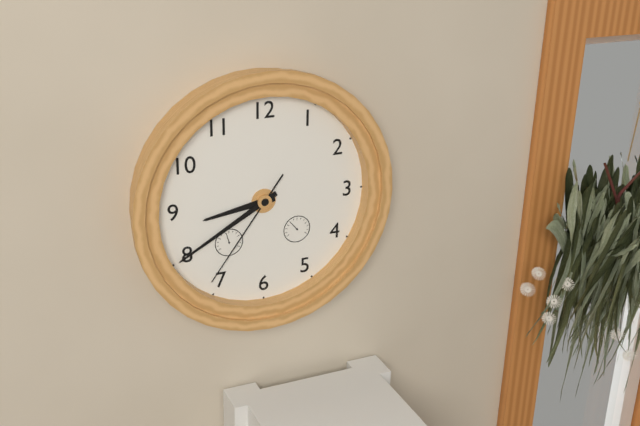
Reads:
8,40,36
